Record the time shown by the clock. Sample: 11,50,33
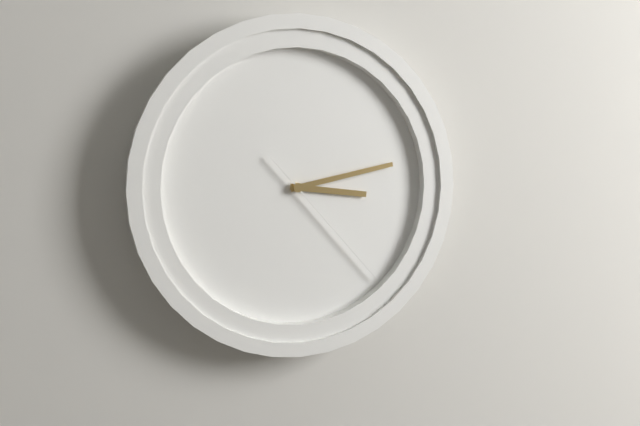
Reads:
3,13,23
